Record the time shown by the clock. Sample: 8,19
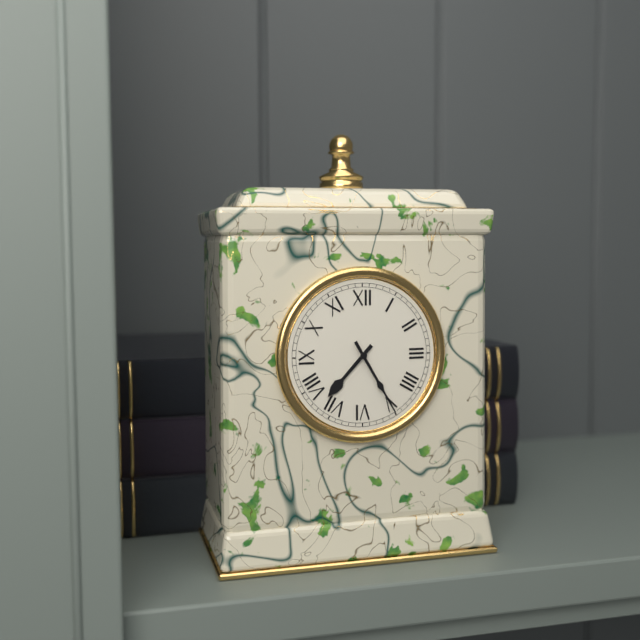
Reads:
7,25
